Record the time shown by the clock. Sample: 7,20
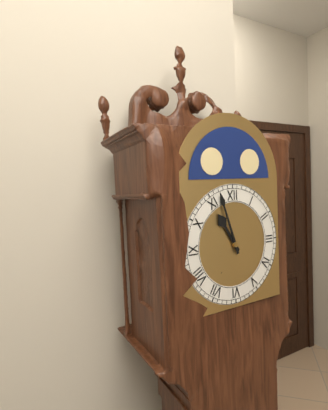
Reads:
10,57
